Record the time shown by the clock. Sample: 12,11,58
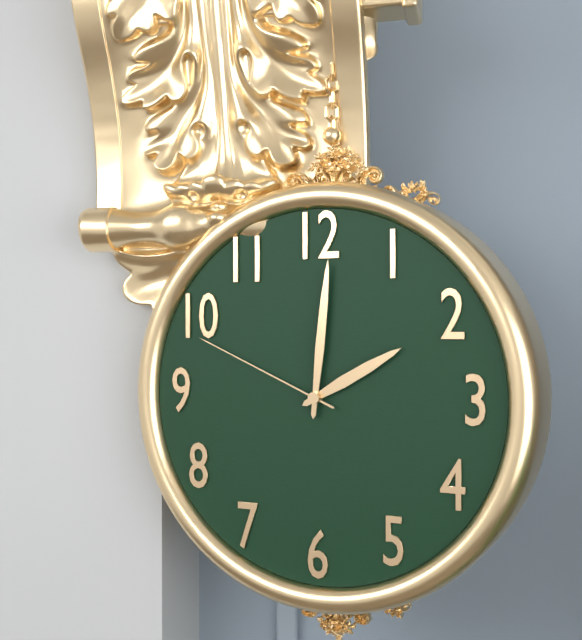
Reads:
2,01,49
